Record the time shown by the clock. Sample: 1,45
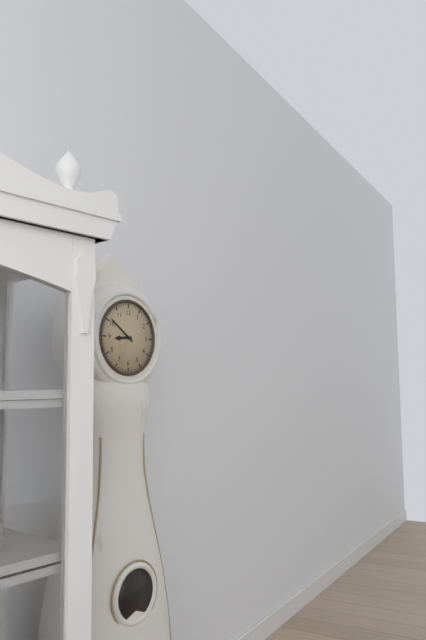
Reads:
8,51
